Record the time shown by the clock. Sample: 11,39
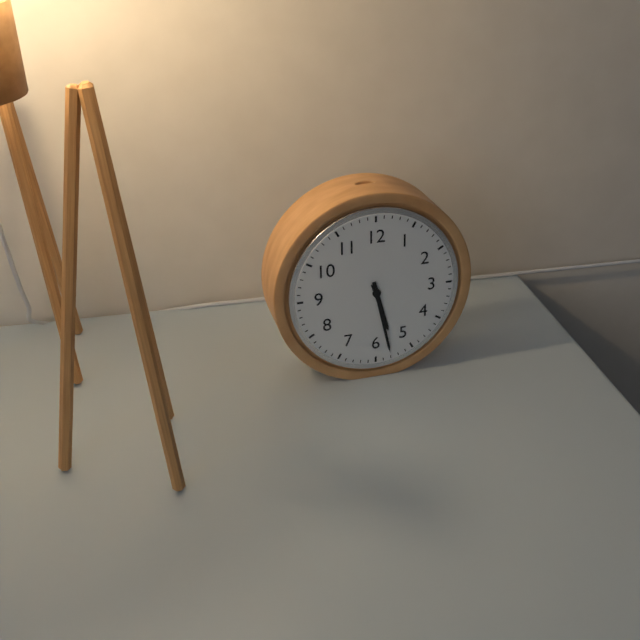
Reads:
5,28
